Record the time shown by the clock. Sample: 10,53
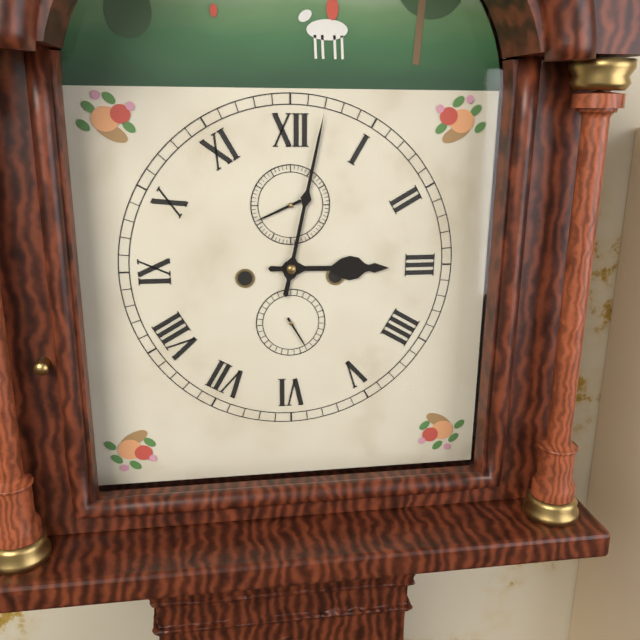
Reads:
3,02
